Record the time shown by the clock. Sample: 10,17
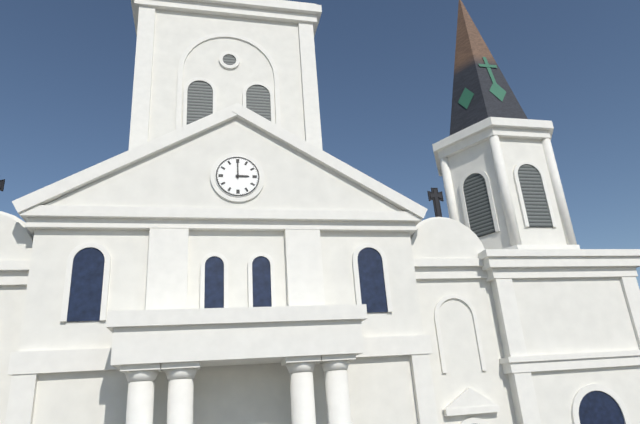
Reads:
3,00
